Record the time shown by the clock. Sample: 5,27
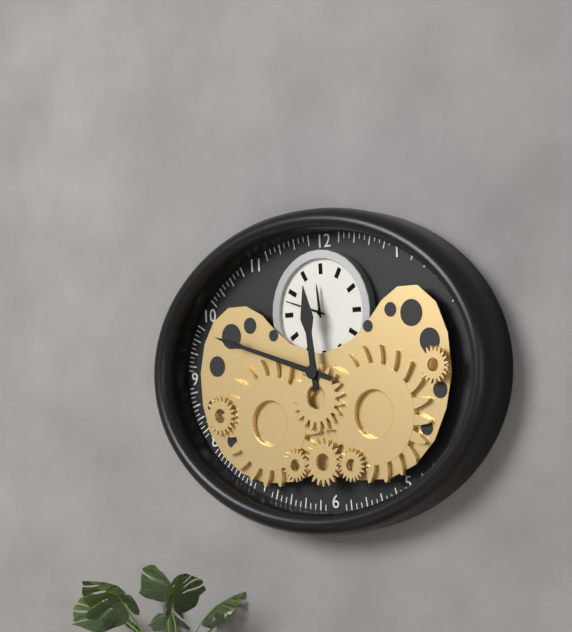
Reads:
11,48
